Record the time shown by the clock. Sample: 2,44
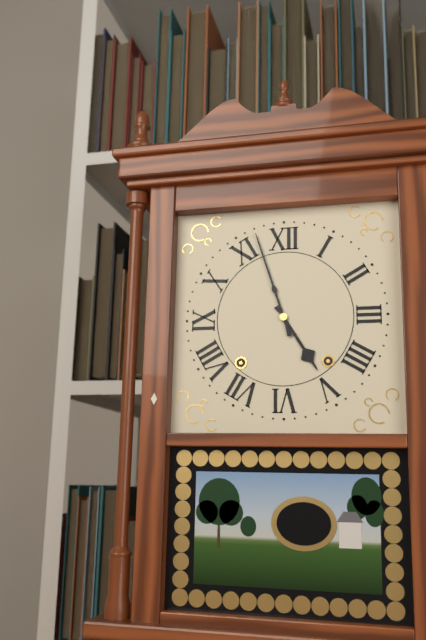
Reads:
4,57
